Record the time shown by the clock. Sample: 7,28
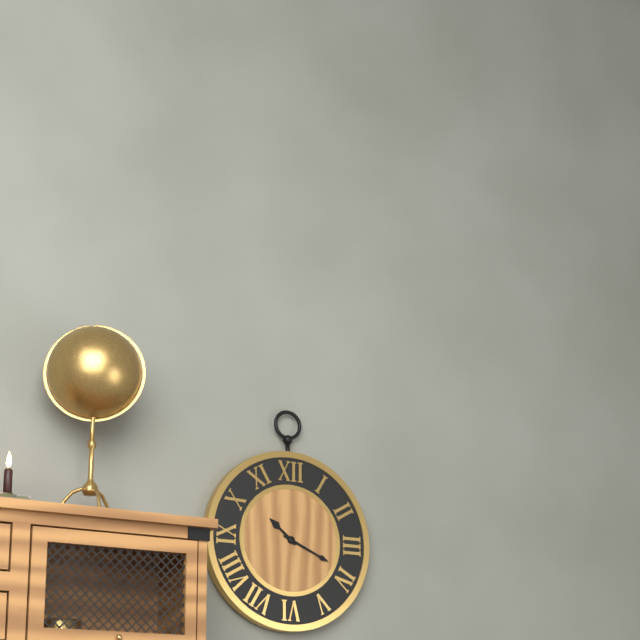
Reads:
10,19
